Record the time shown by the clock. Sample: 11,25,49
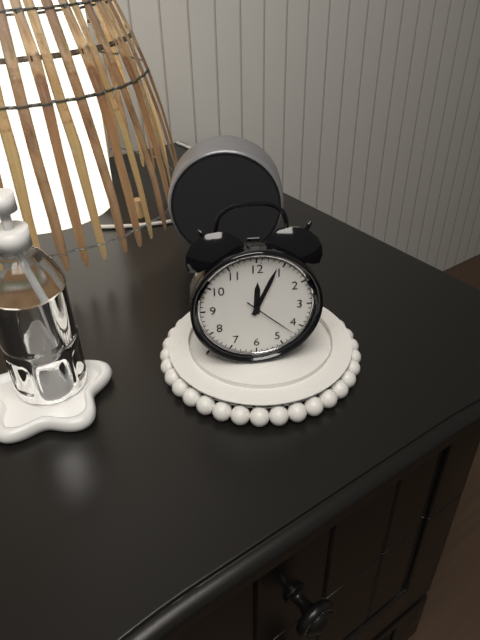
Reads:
12,04,22
